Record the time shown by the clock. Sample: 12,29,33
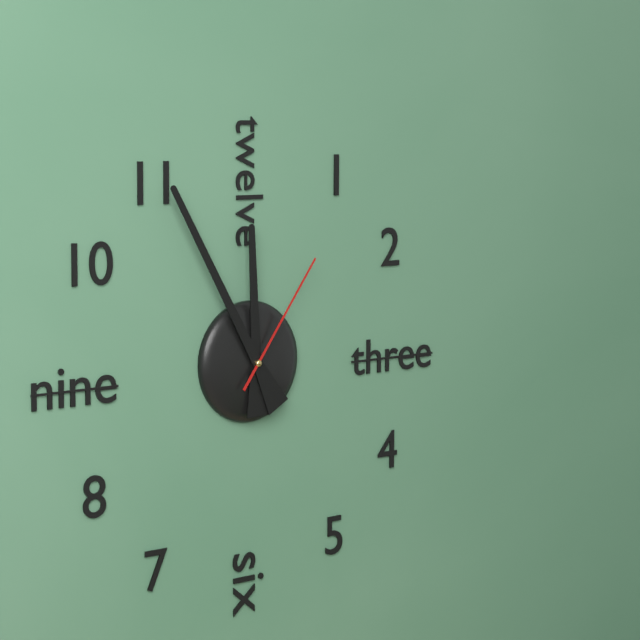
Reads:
11,55,06
